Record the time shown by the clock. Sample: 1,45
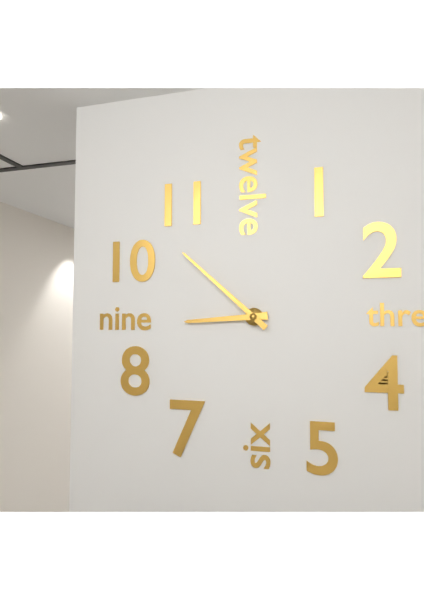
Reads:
8,52
